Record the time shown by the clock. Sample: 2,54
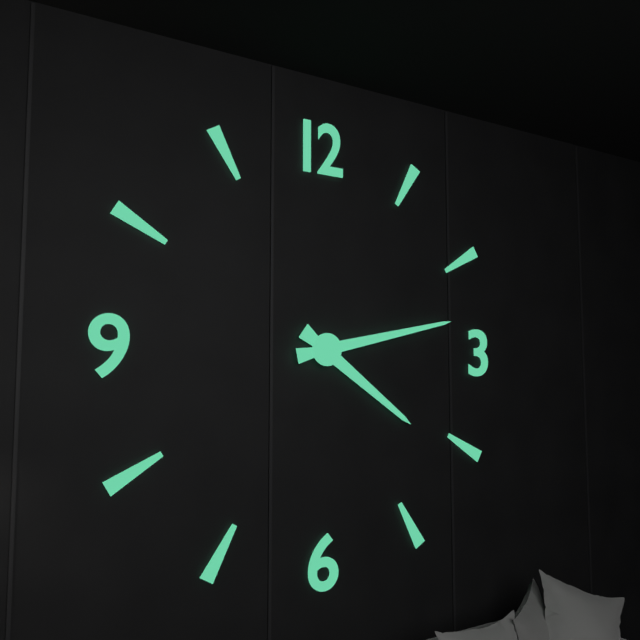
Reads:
4,13
